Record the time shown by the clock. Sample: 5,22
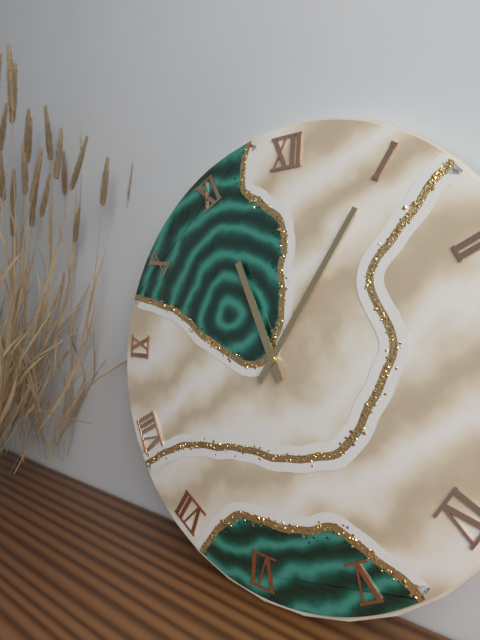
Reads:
11,05
